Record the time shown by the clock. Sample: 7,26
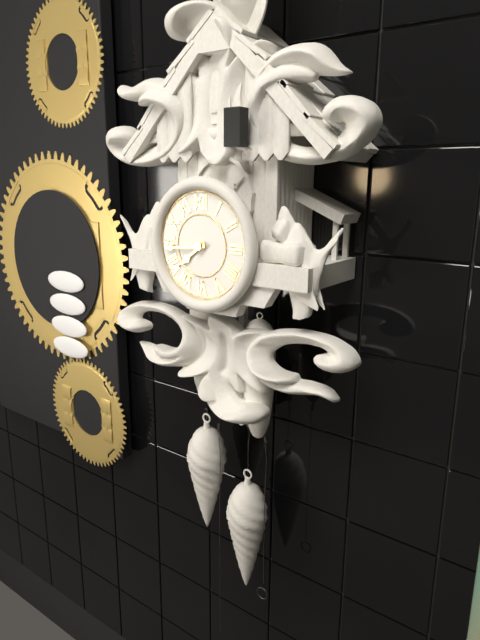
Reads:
7,44
